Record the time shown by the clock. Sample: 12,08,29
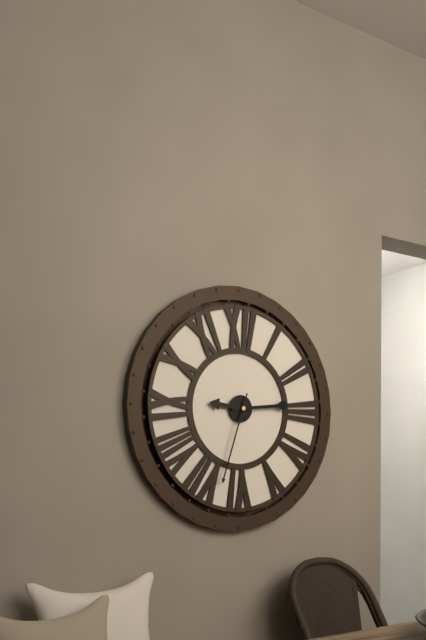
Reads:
9,14,33
